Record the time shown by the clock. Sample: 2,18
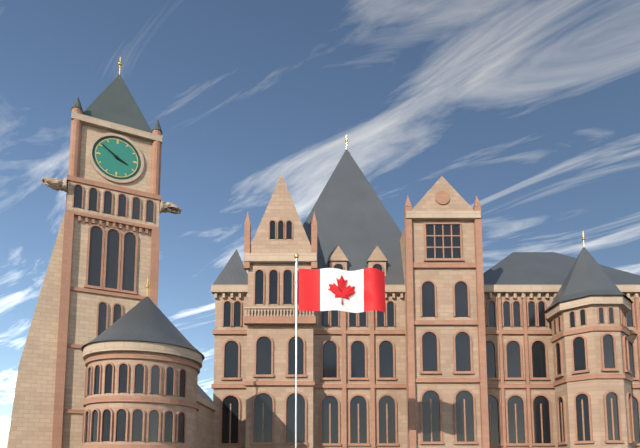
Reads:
3,51
